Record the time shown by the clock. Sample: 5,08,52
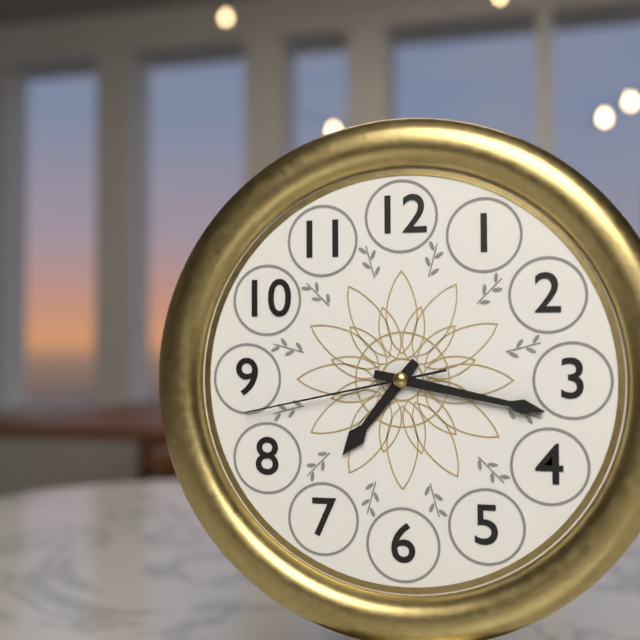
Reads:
7,17,43
